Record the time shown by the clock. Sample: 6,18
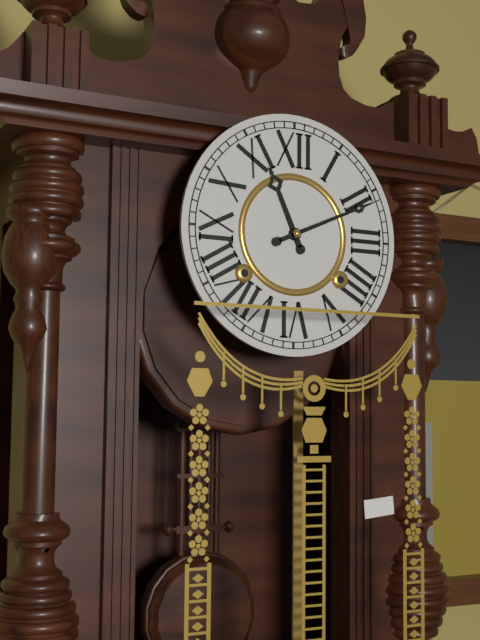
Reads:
11,11
